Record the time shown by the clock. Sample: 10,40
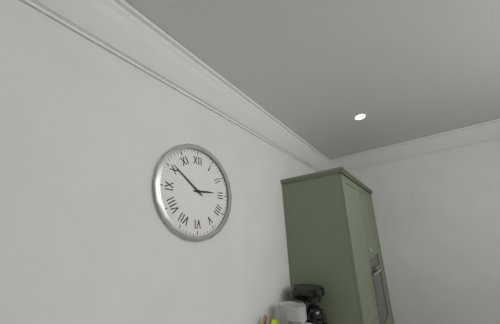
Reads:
2,51
